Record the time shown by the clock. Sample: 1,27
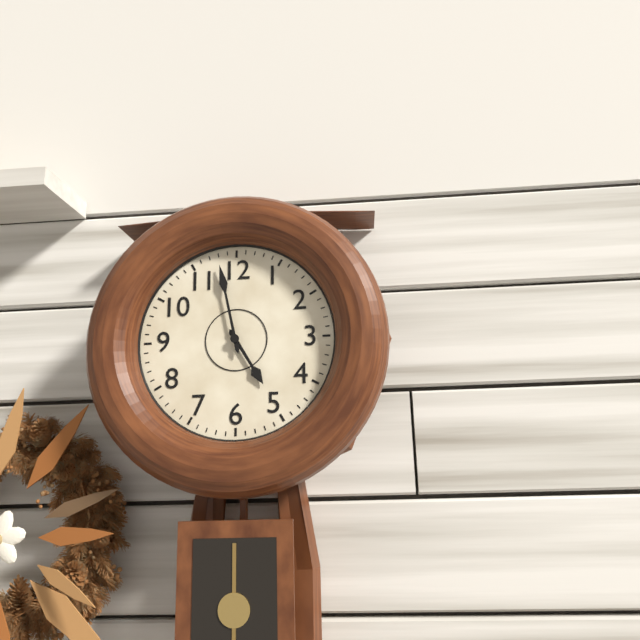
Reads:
4,58
